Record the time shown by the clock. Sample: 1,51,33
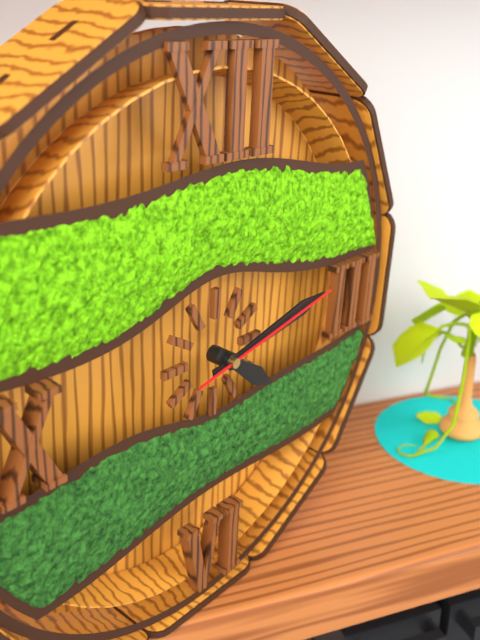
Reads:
4,13,13
